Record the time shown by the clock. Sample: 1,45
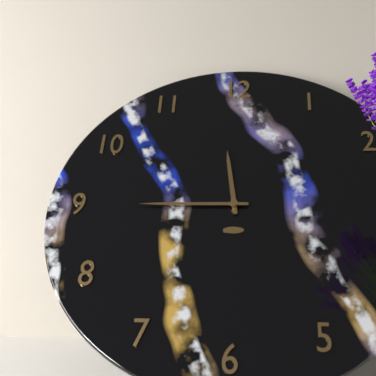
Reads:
11,45
